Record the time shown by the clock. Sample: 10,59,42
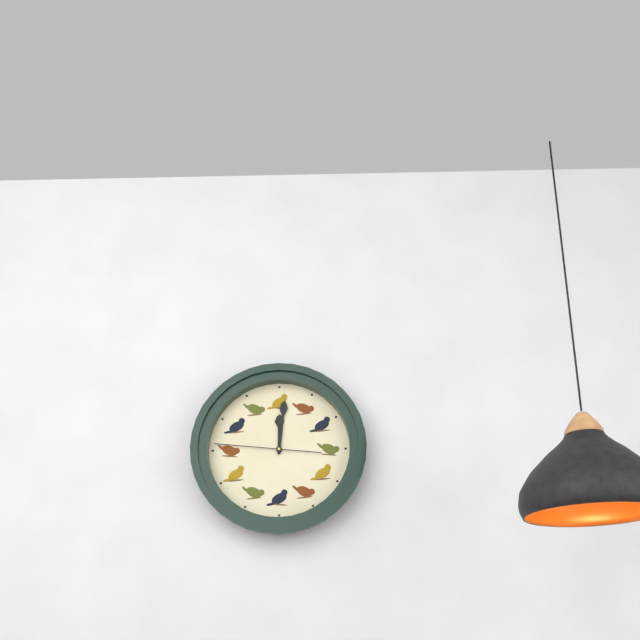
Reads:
12,01,46
